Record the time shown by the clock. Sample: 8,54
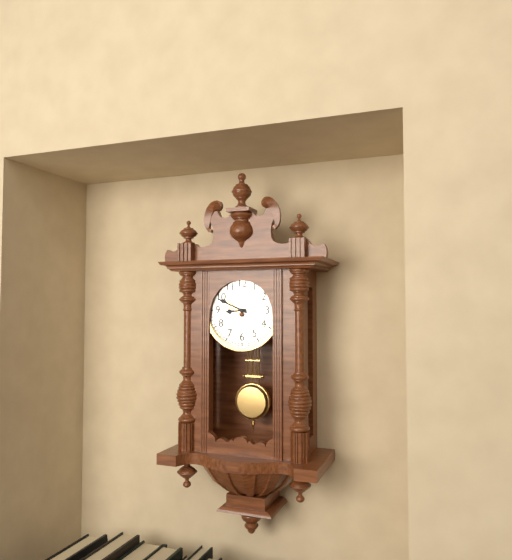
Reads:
8,49
